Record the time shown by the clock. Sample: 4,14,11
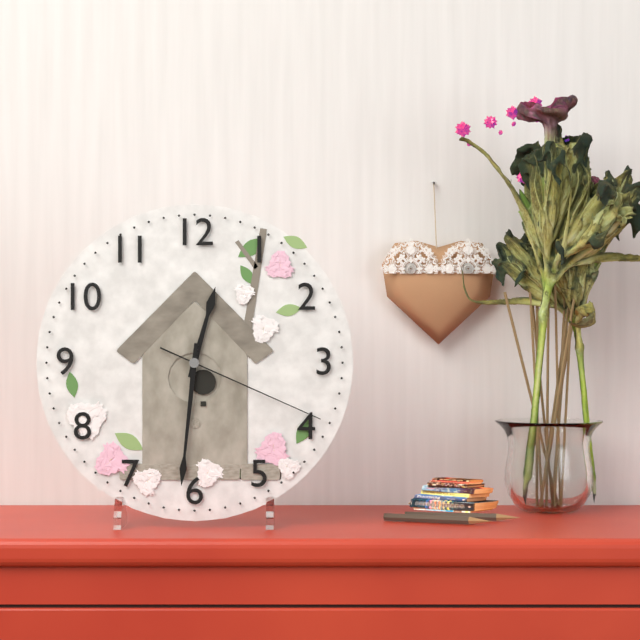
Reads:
12,31,19
